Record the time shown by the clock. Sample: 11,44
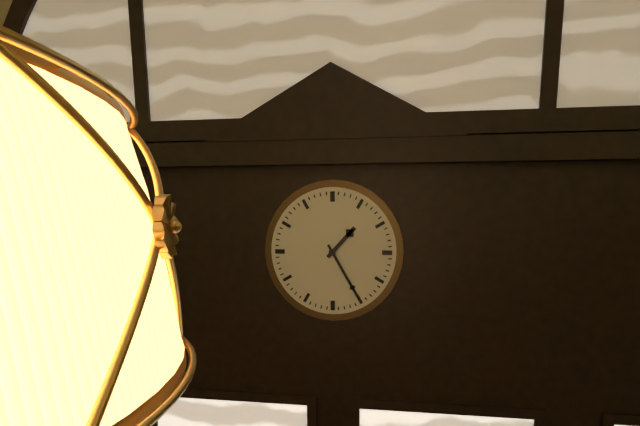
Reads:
1,25
